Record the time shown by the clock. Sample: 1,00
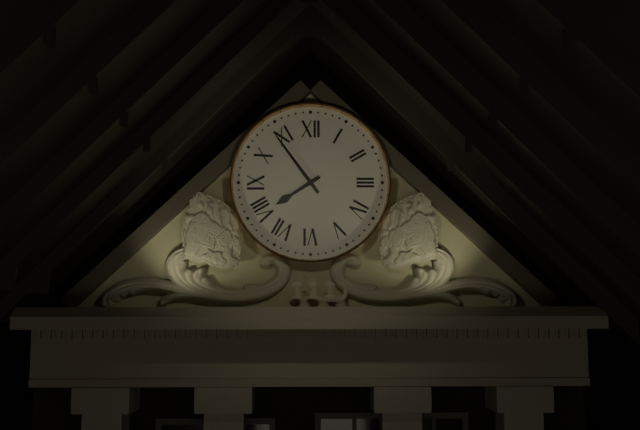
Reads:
7,54
